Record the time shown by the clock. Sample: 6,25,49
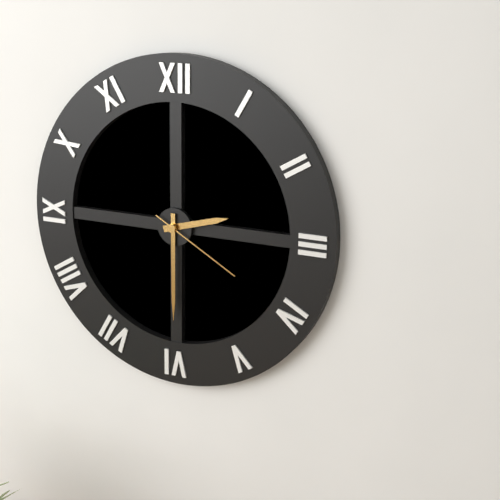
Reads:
2,30,20
